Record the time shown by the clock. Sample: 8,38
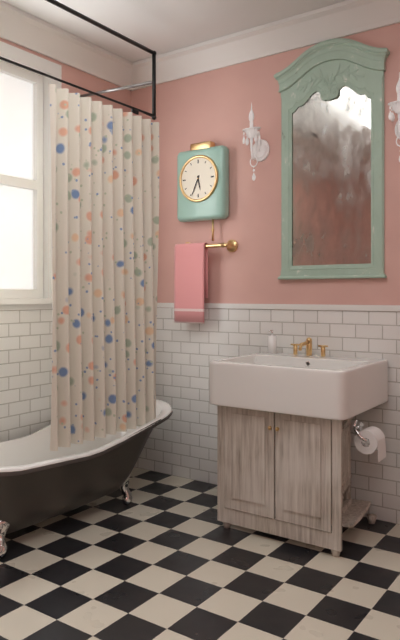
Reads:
5,34
